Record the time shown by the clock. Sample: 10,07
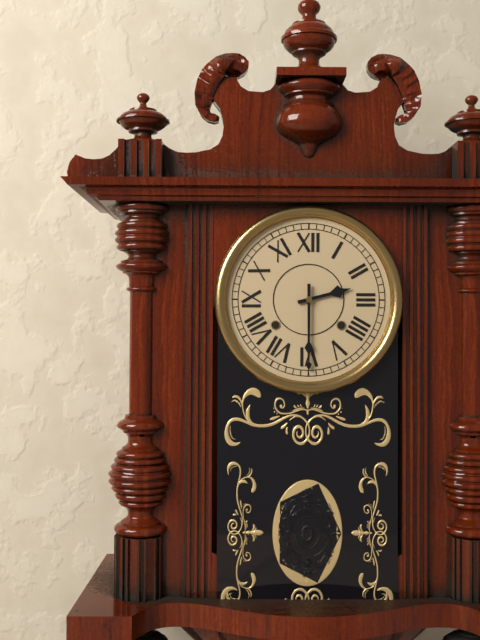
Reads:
2,30
